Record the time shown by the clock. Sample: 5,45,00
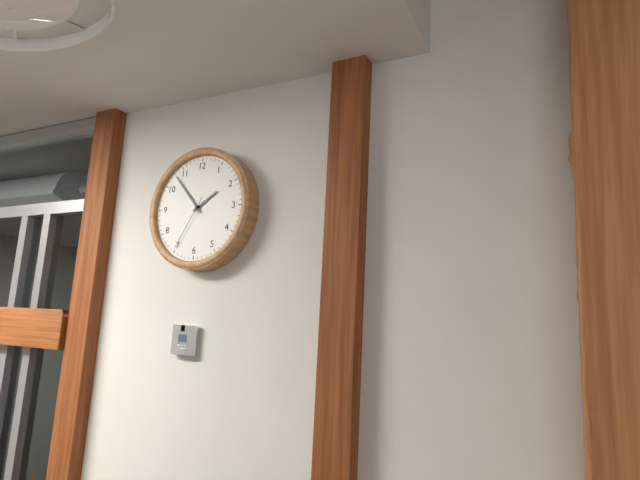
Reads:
1,53,35
